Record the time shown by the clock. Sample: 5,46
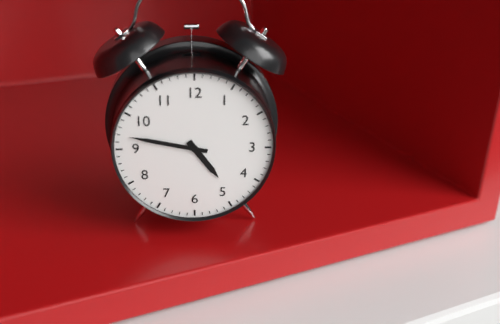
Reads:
4,47
